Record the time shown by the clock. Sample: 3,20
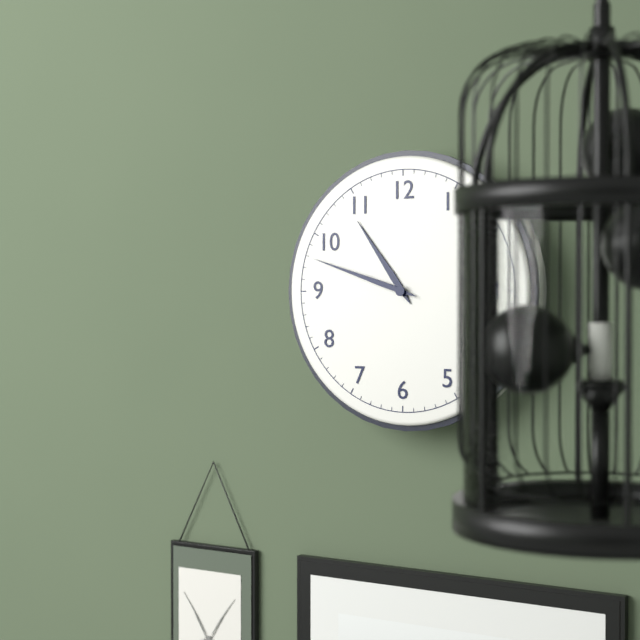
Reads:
10,48
